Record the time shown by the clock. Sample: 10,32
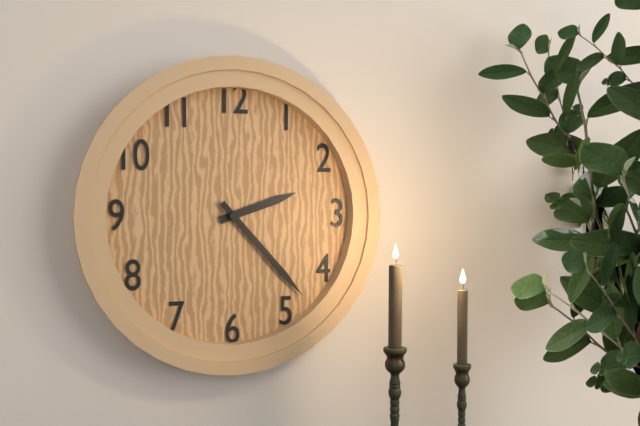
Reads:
2,23
